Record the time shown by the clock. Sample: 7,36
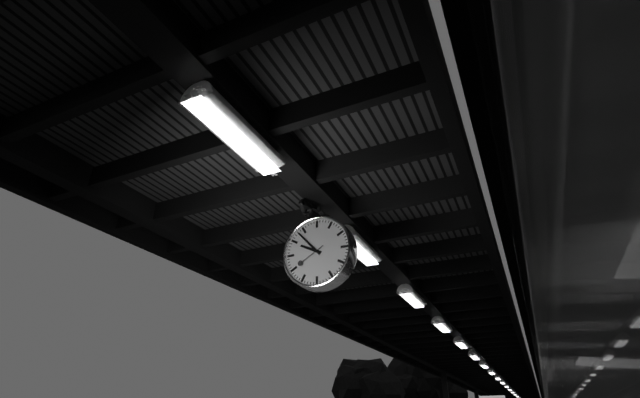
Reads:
9,53
